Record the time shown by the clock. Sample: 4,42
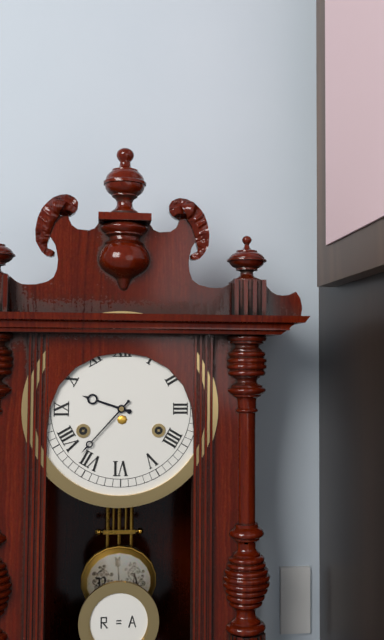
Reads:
9,37
